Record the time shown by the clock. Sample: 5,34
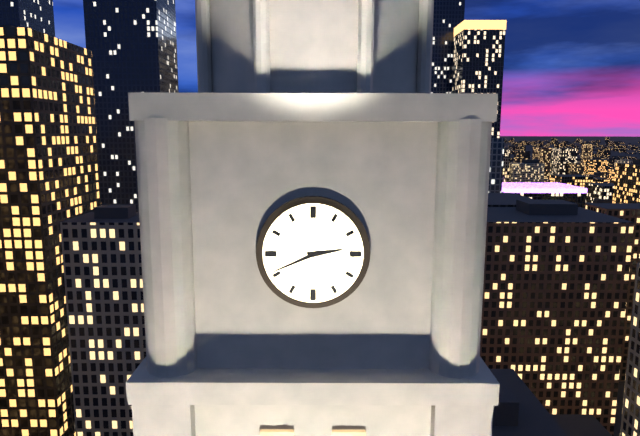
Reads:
2,41
